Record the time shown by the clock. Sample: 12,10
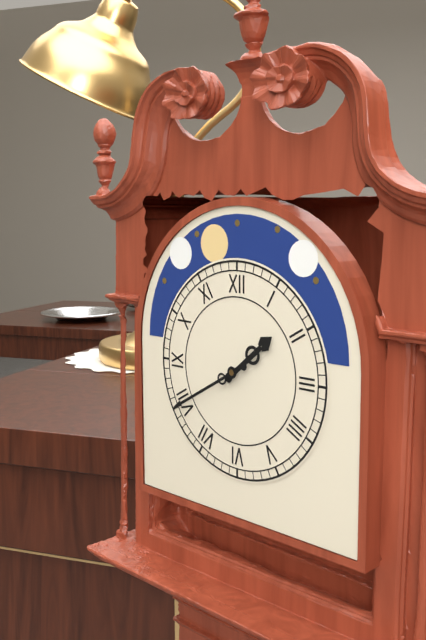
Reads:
1,40
